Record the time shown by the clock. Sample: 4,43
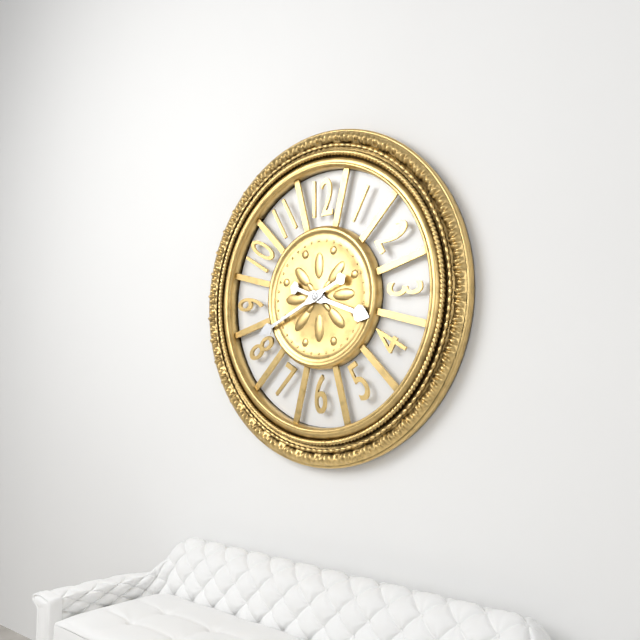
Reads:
3,41
